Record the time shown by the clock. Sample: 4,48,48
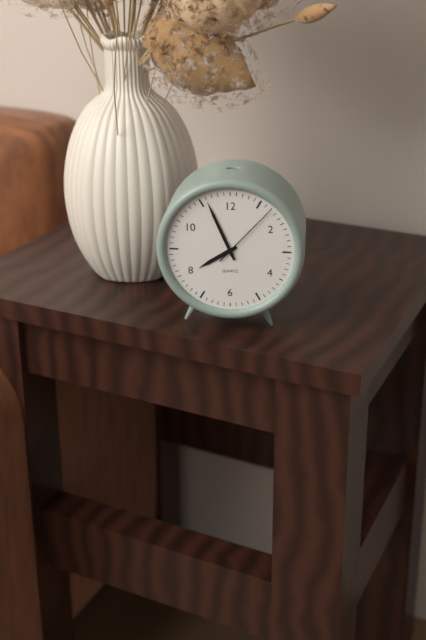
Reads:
7,56,07
